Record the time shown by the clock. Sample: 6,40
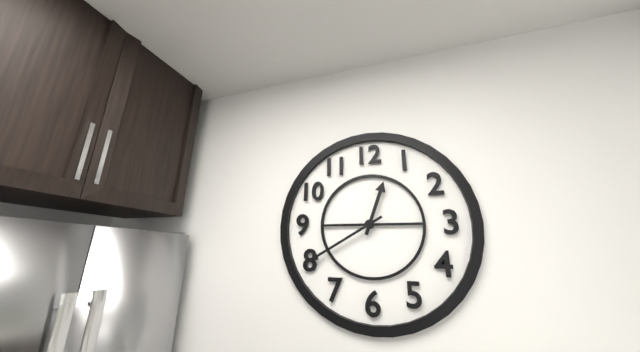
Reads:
12,40
